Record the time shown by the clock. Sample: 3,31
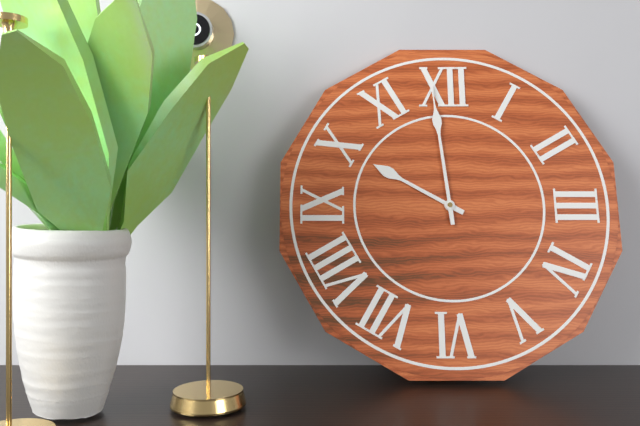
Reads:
9,59
